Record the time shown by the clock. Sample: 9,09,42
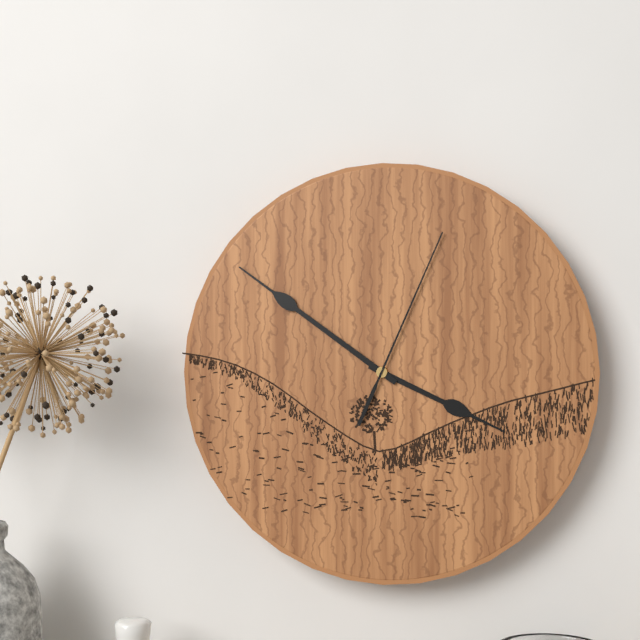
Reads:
3,51,04
